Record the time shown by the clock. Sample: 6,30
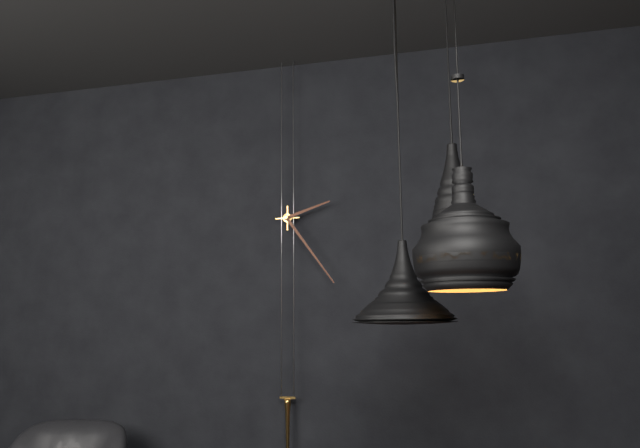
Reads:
2,24
